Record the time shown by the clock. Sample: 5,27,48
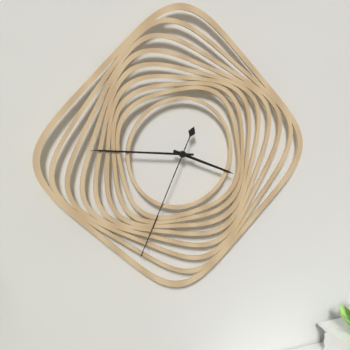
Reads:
3,46,34
